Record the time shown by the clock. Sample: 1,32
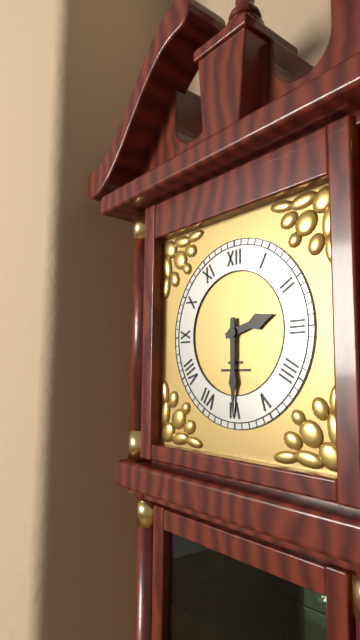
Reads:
2,30
